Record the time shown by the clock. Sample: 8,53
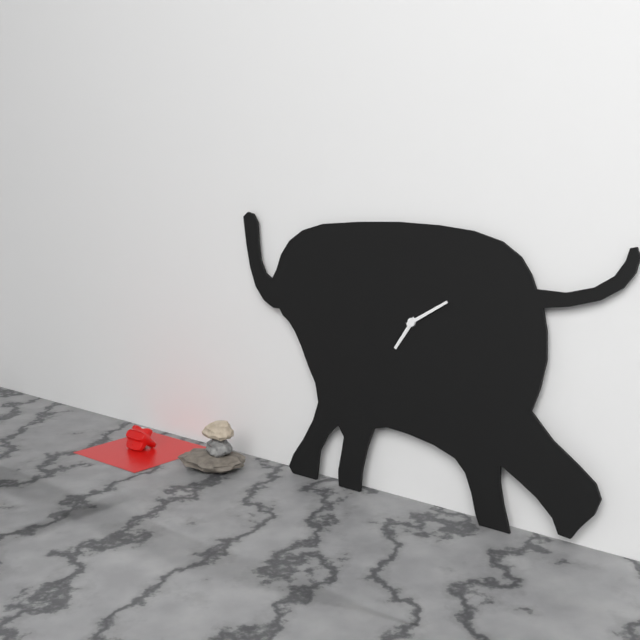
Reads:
7,10
